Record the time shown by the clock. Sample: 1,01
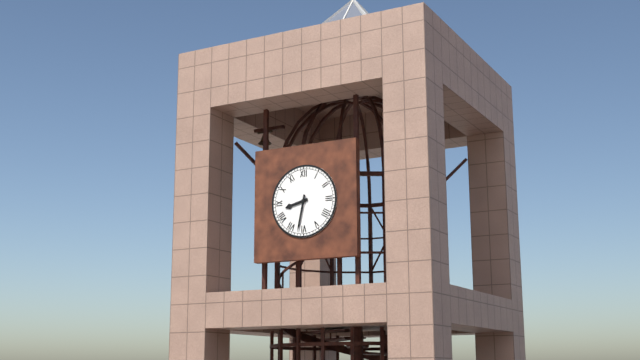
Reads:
8,32
